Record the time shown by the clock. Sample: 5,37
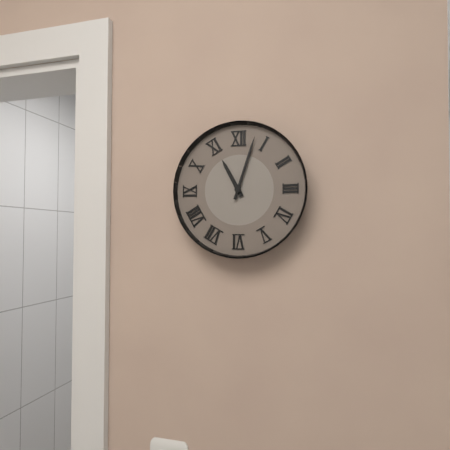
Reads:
11,03
